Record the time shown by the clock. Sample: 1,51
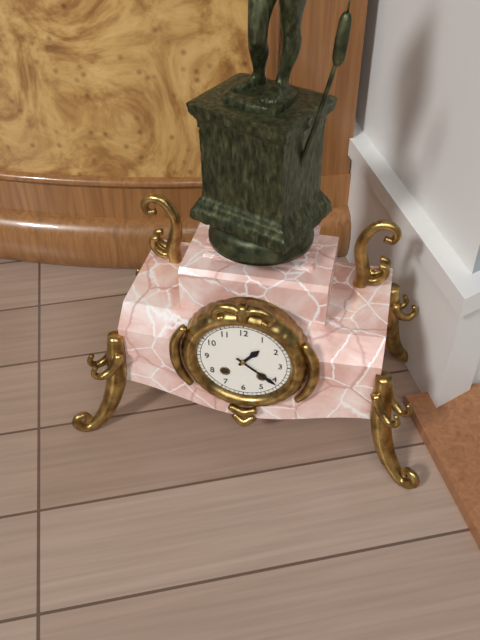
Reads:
1,21
